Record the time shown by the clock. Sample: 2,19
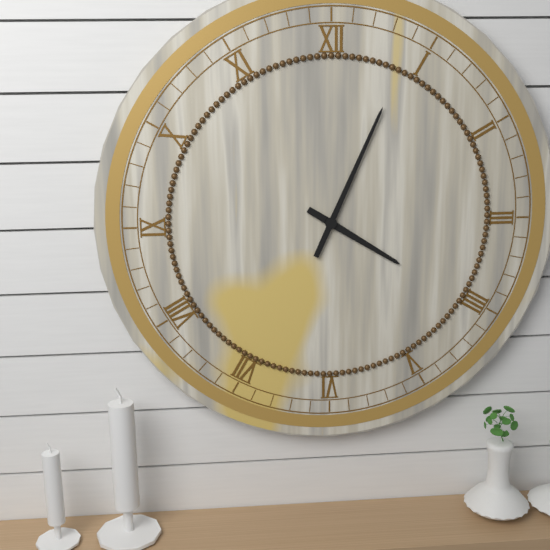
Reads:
4,04
